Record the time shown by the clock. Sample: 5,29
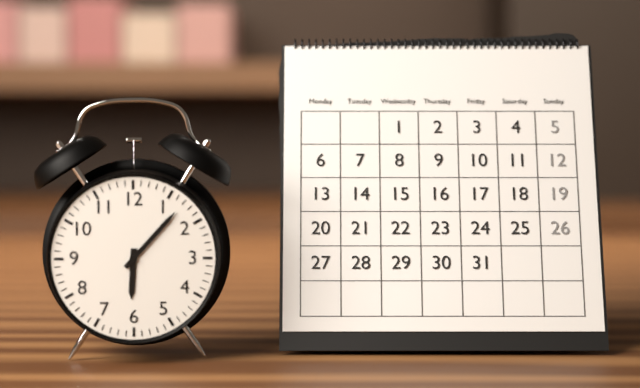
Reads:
6,07
